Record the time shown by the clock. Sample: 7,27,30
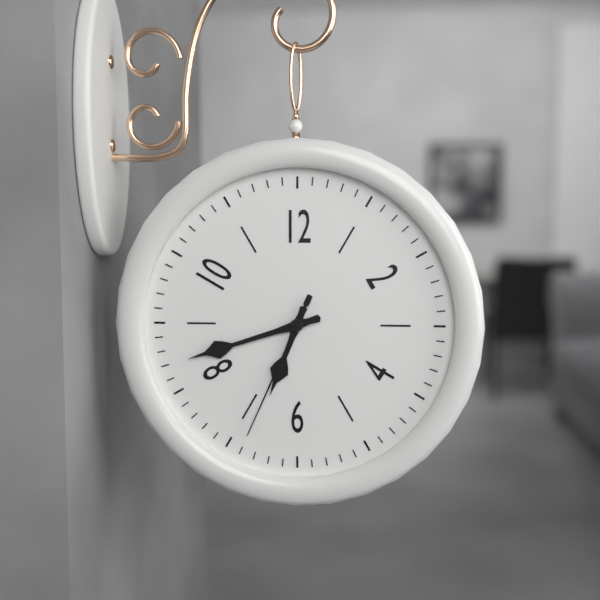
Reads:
6,42,34
